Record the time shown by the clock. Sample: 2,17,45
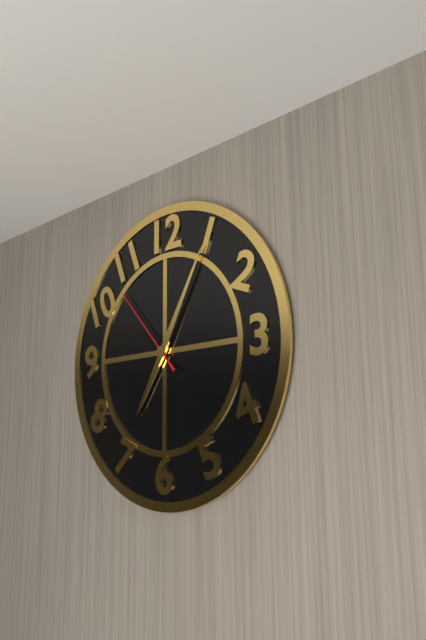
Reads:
7,05,53
